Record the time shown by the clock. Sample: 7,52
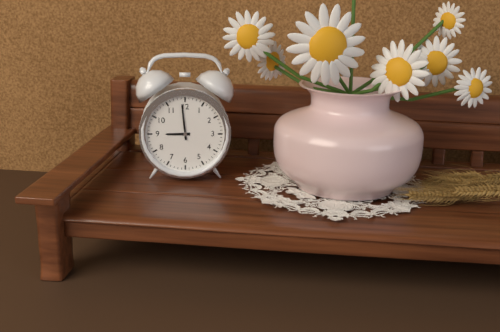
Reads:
8,59
